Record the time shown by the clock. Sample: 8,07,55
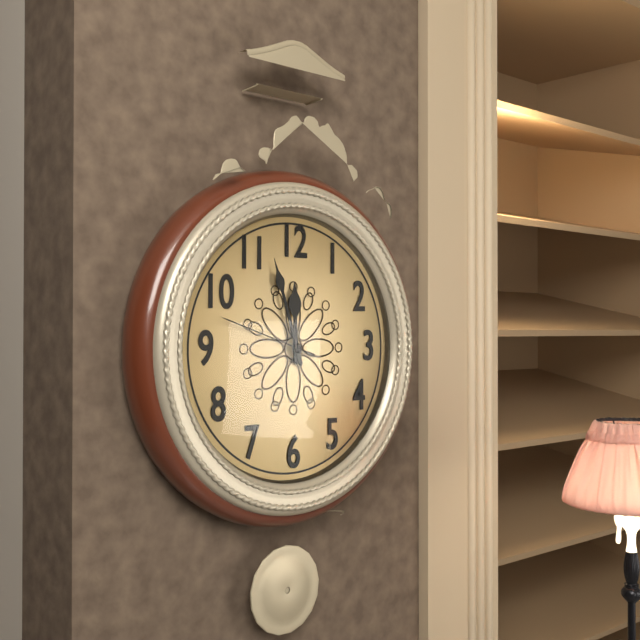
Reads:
11,57,48
